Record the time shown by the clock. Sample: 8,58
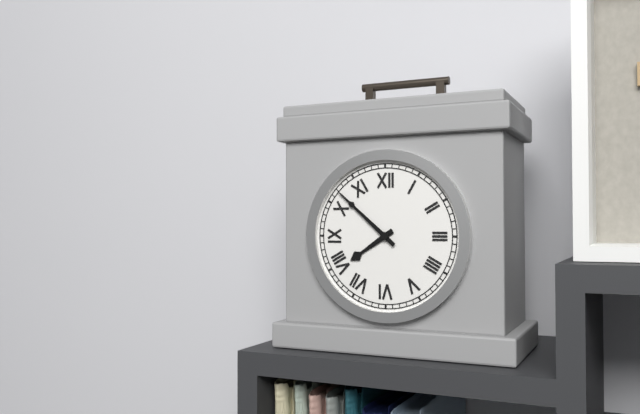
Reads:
7,52
